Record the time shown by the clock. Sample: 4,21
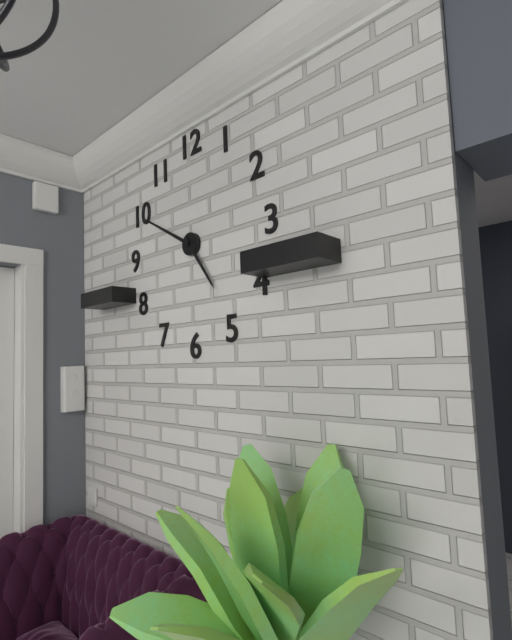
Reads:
4,50
